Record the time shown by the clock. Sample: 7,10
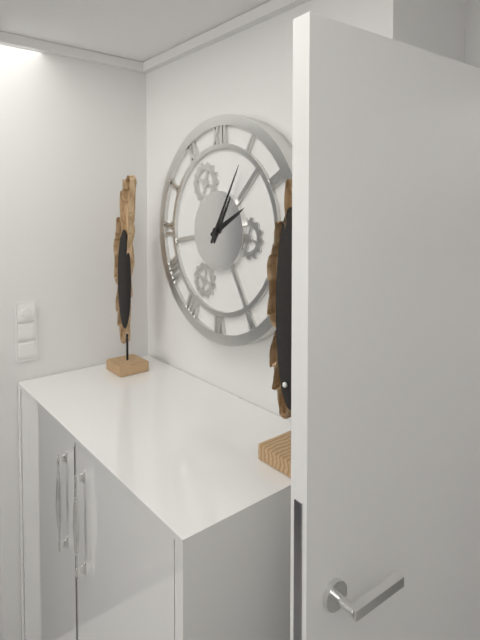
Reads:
2,05
